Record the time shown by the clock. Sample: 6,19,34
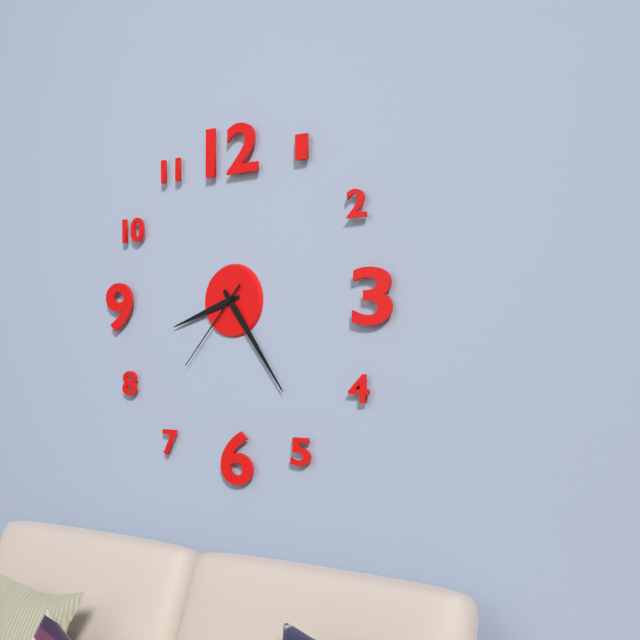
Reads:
8,24,37
